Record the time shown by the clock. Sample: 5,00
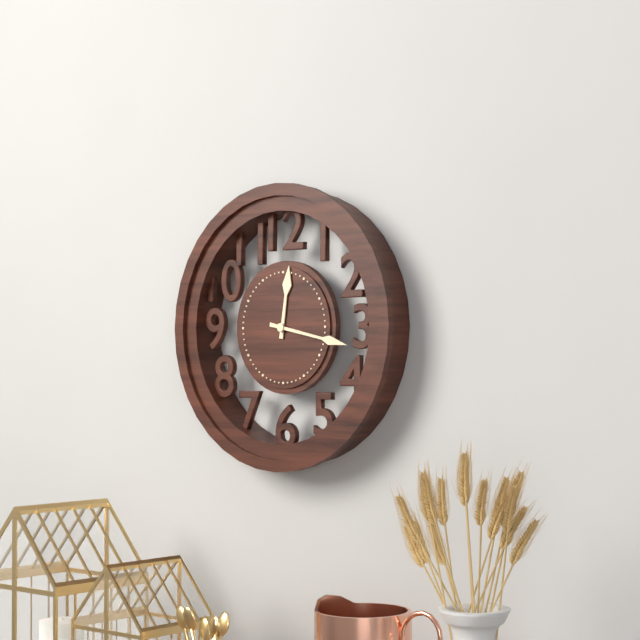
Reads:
12,17
